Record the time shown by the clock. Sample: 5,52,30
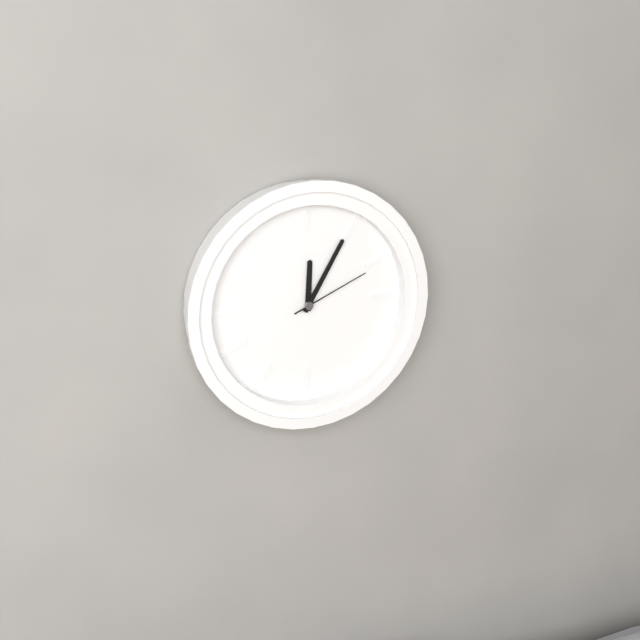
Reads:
12,05,11
